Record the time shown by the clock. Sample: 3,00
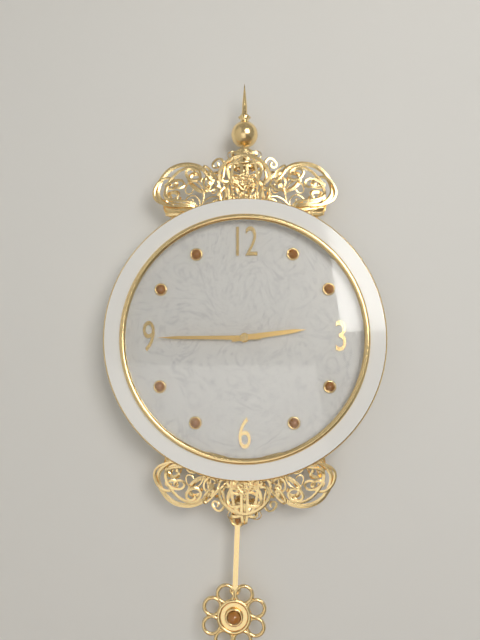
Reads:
2,45
